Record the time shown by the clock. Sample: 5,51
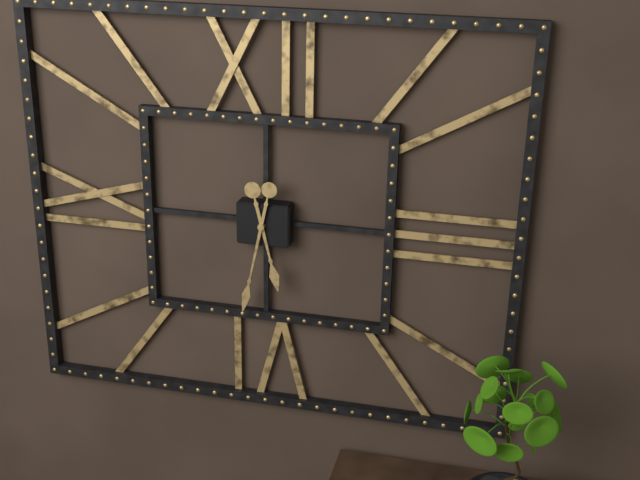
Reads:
5,32
